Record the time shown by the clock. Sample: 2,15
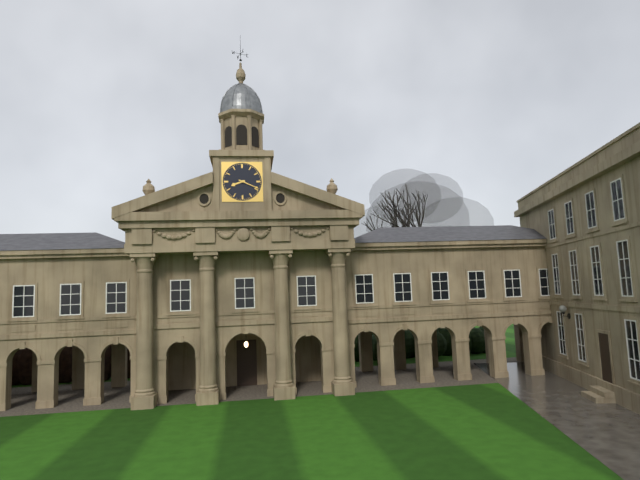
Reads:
8,19
